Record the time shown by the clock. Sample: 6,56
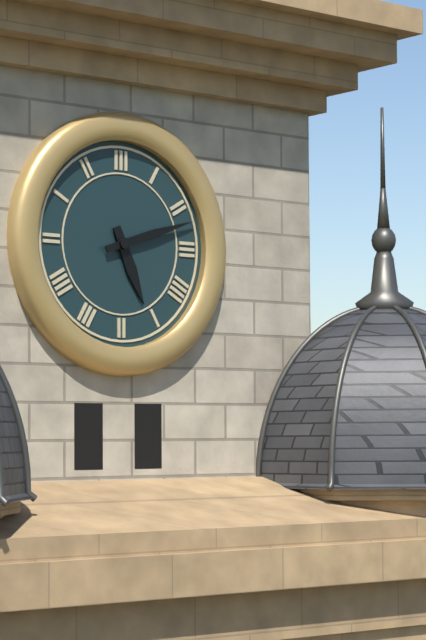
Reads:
5,12
